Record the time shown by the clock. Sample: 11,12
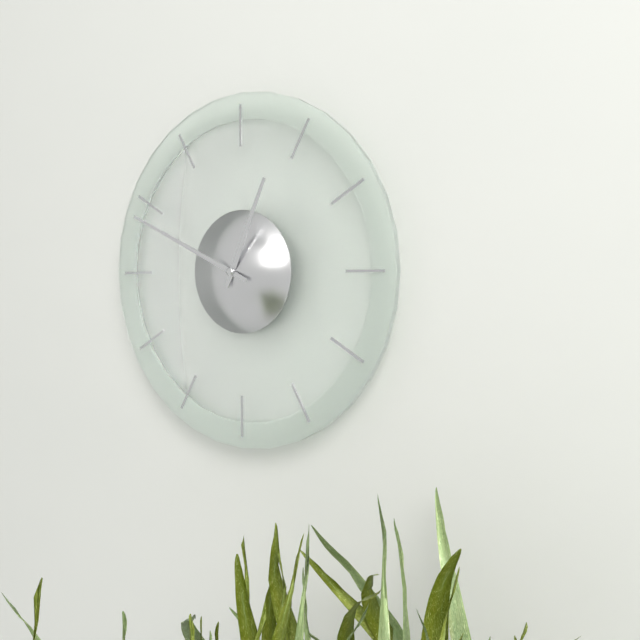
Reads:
12,49
